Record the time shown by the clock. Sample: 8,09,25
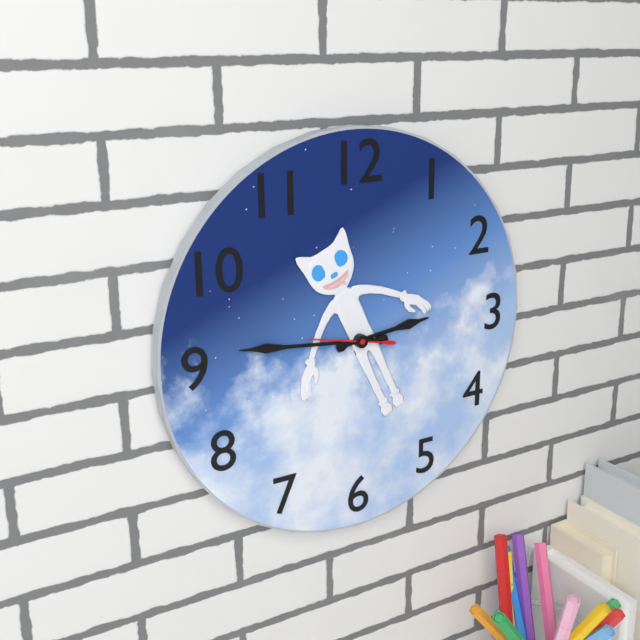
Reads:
2,46,47
